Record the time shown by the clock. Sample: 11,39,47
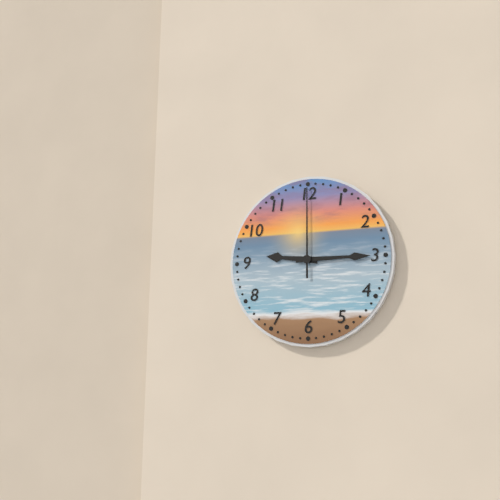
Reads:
9,15,00
